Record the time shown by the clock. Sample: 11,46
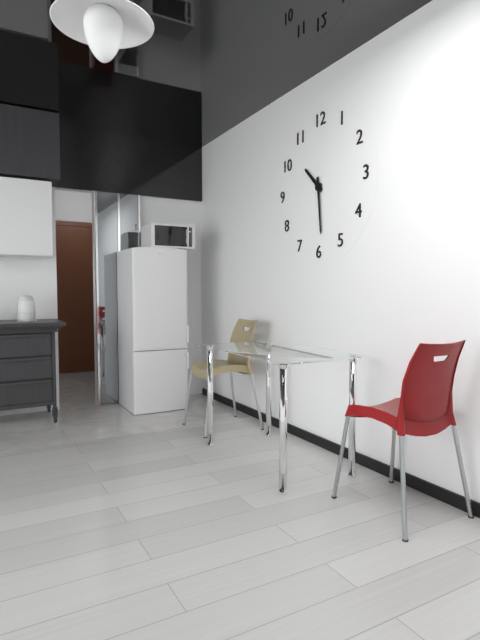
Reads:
10,29
